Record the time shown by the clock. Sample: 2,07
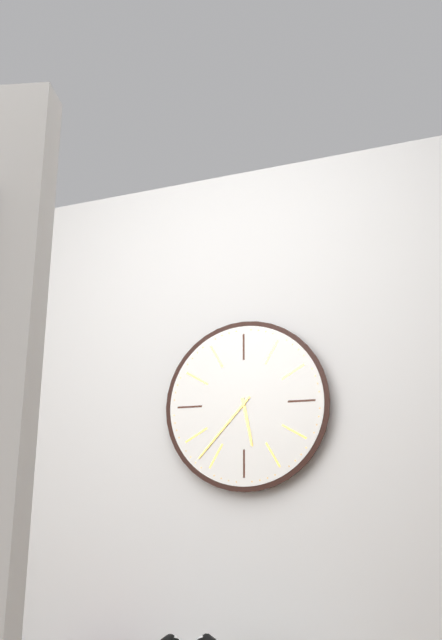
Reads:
5,37
